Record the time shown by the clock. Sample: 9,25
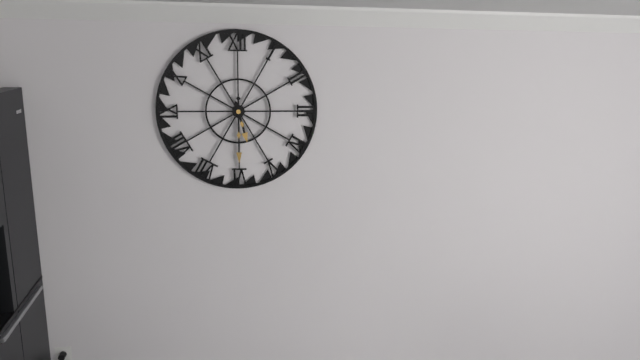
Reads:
5,30
